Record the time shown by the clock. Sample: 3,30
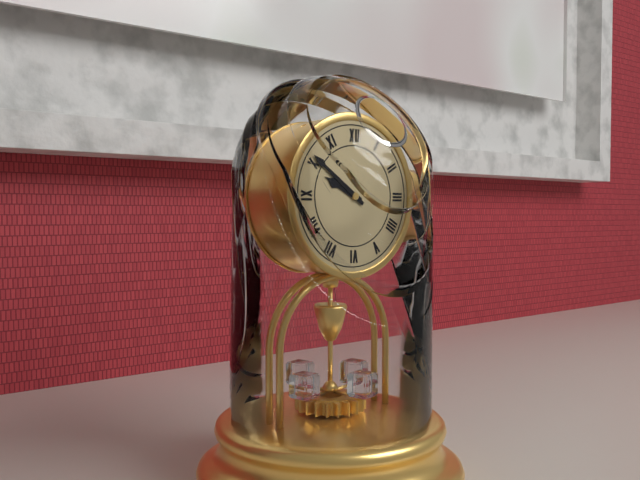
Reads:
9,51
